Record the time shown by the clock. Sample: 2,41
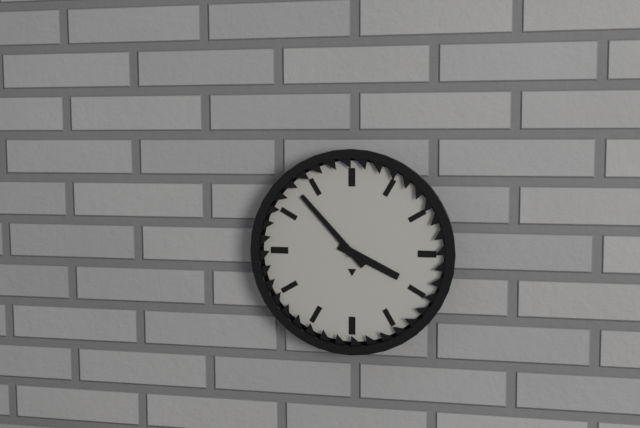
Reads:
3,53
